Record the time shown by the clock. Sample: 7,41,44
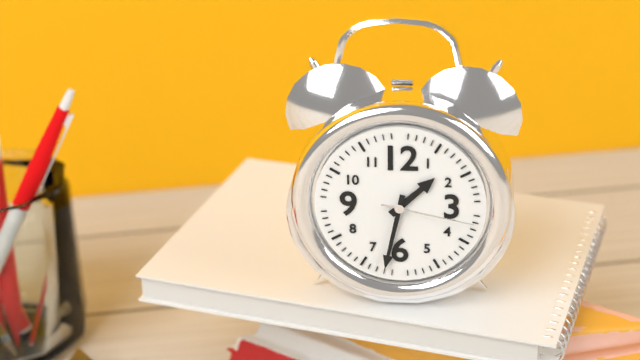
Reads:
1,32,17
